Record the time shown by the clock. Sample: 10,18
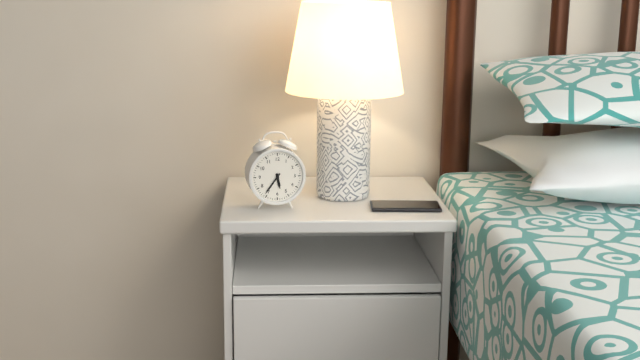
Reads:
5,36
